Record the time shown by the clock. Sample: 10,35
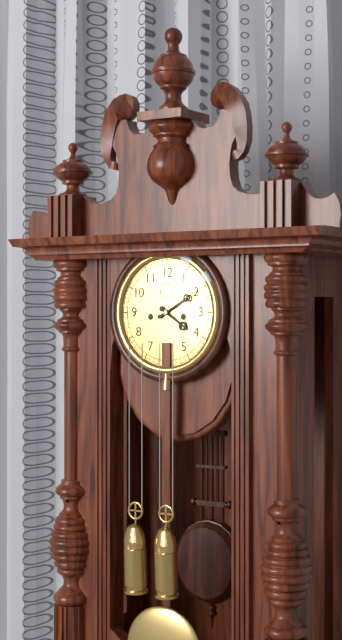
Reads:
4,10
